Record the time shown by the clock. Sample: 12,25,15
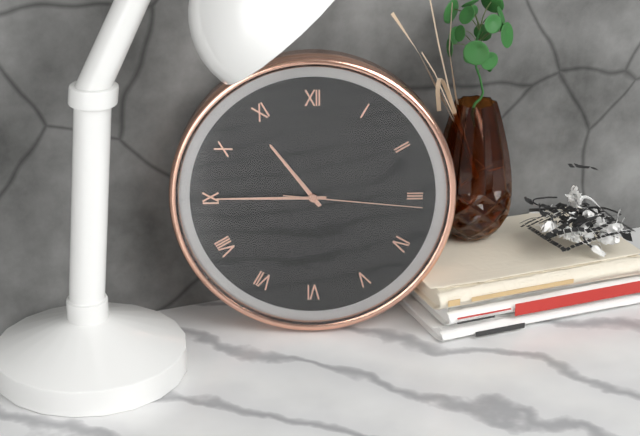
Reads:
10,45,16
